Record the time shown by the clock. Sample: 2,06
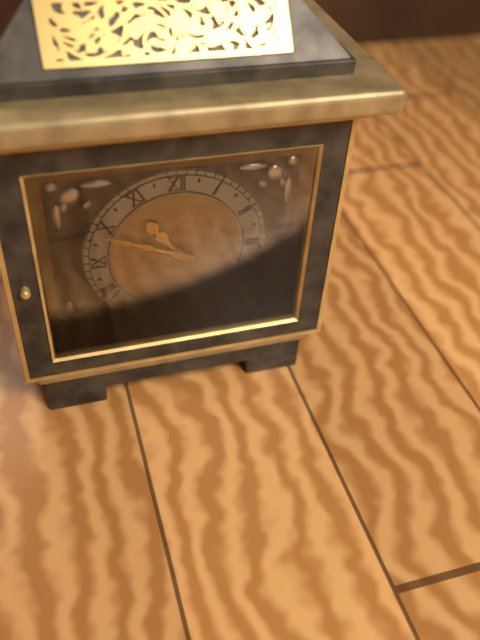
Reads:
10,49
